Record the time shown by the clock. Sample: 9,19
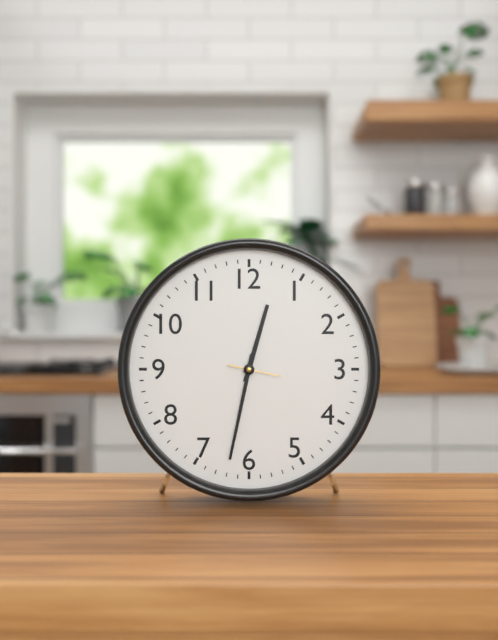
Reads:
12,32
